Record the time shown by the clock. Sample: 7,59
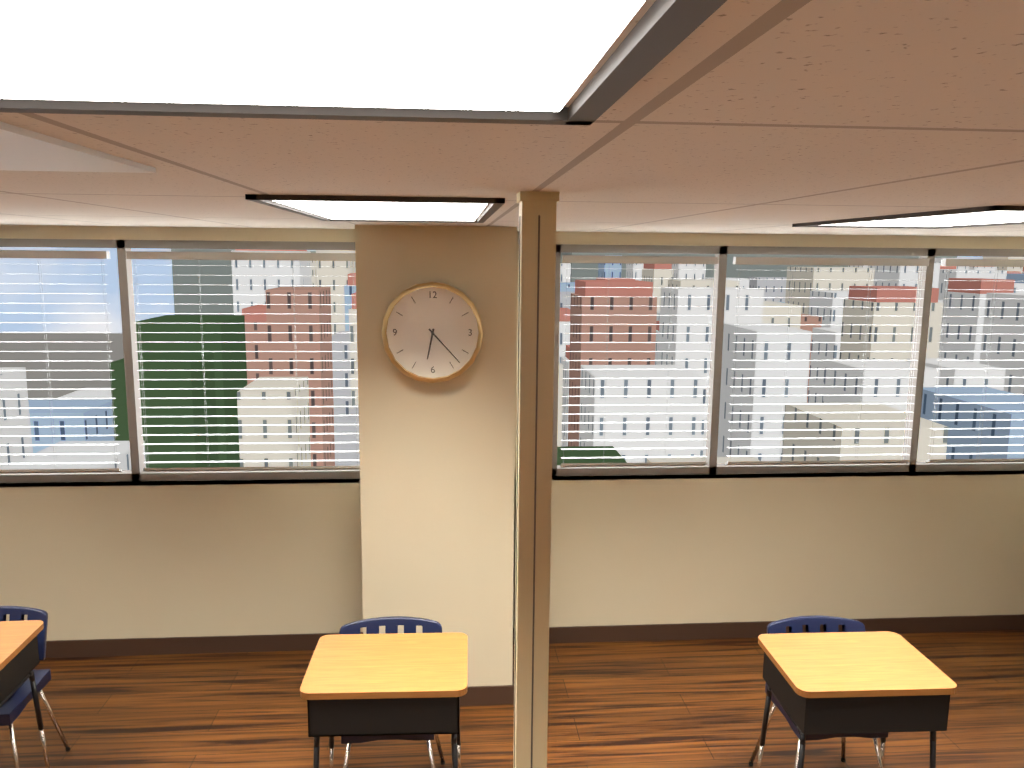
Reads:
6,23
